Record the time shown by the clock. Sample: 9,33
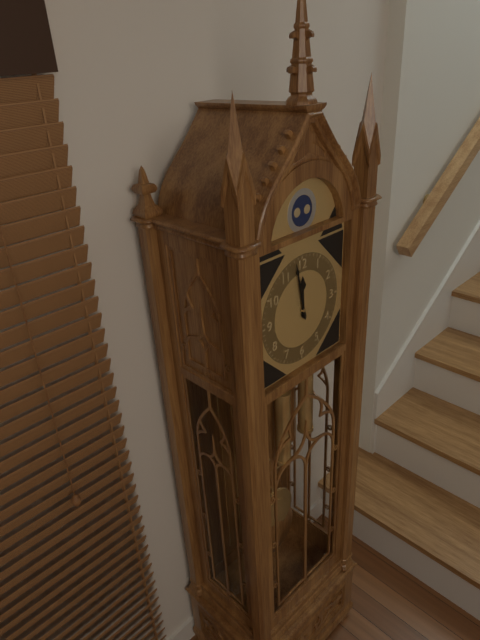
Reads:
11,58
